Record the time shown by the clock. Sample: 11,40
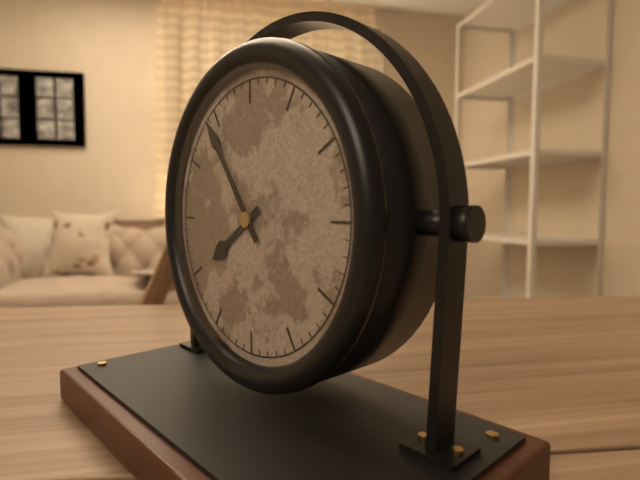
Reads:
7,54
